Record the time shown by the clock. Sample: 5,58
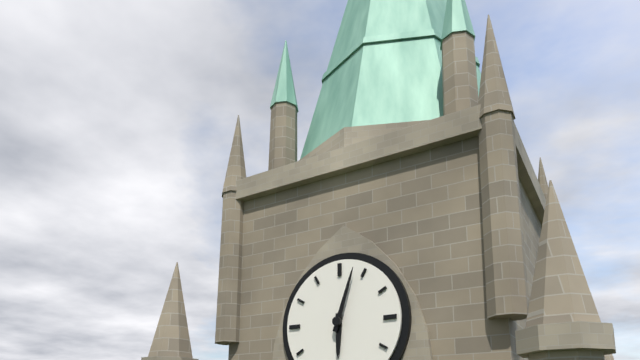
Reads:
6,03
